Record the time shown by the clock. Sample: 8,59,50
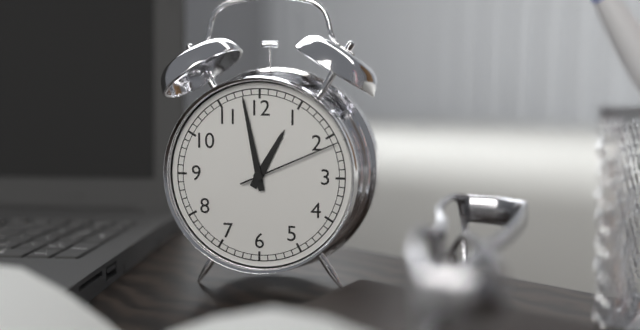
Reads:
12,58,11
